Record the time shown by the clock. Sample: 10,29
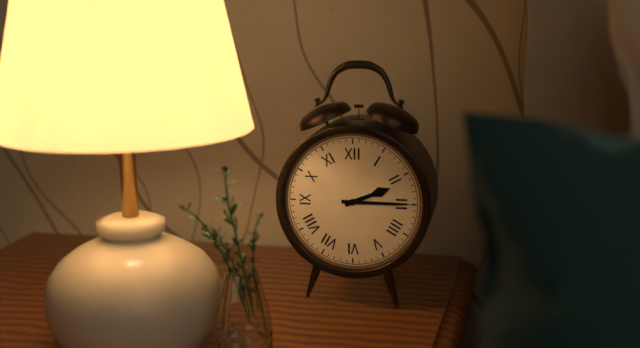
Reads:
2,15
